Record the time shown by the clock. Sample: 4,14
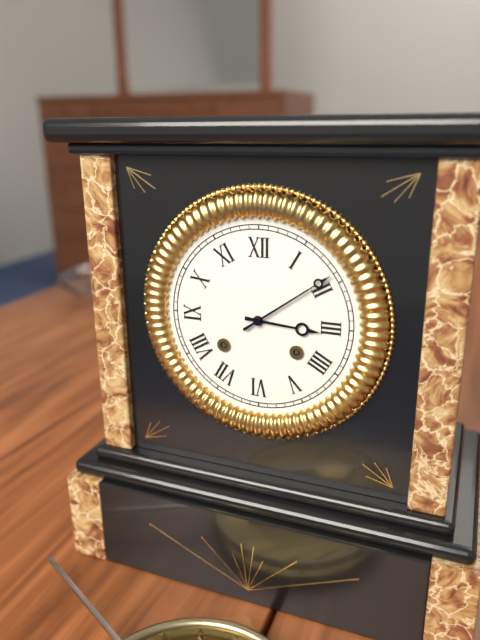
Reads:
3,09
